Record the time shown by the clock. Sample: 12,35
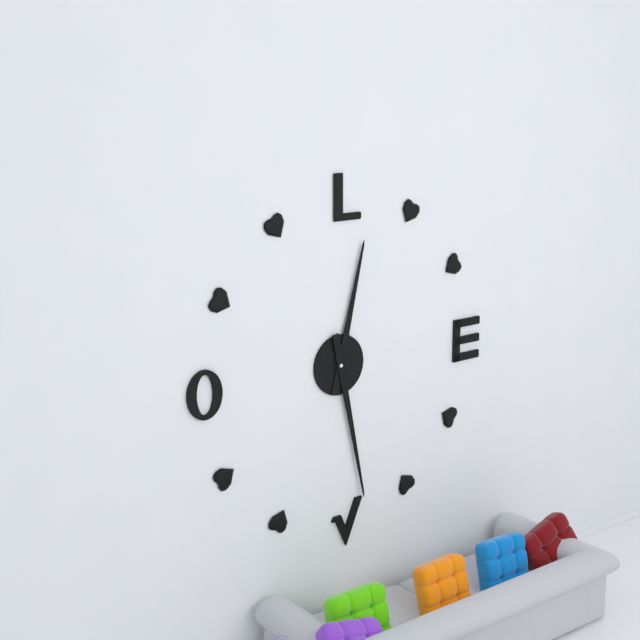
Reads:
12,28
